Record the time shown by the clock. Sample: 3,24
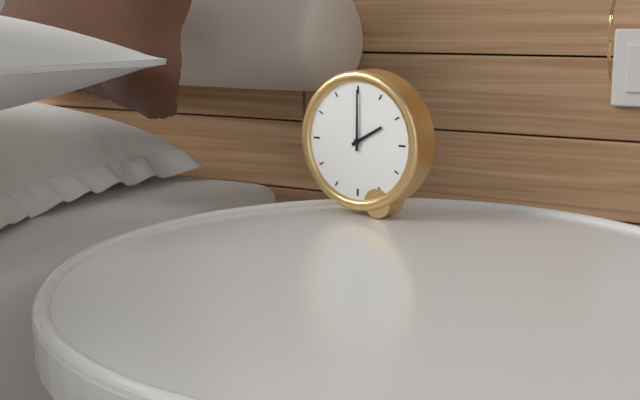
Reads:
2,00
